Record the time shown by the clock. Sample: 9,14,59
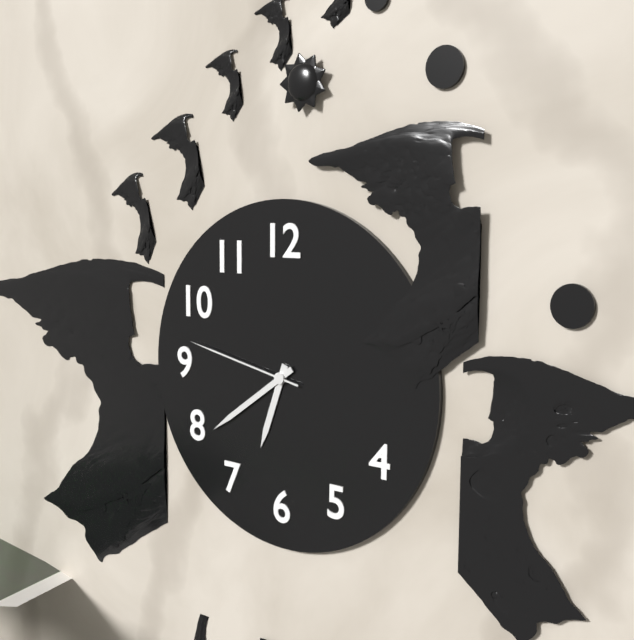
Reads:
6,39,47
